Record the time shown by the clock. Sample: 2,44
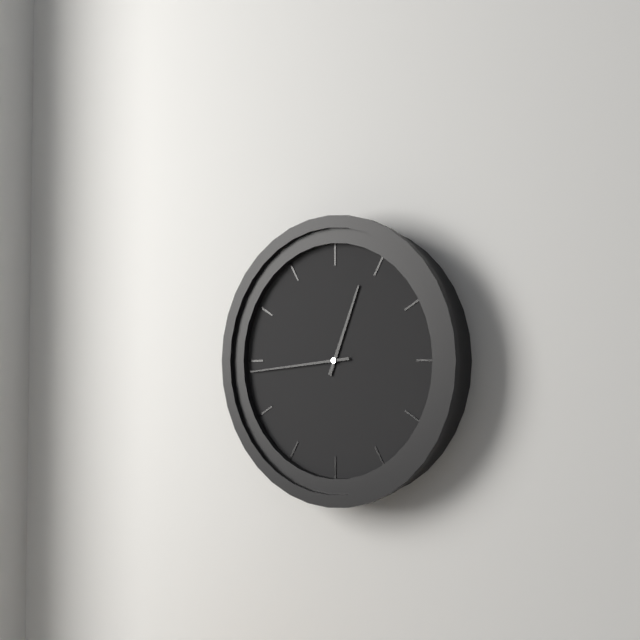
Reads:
12,44
